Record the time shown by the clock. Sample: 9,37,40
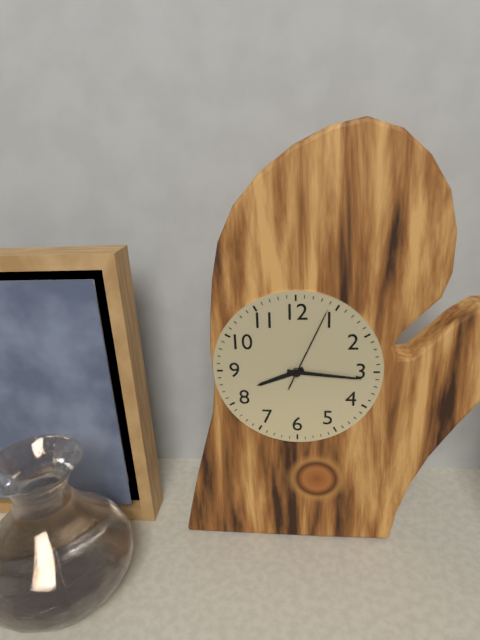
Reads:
8,16,04
